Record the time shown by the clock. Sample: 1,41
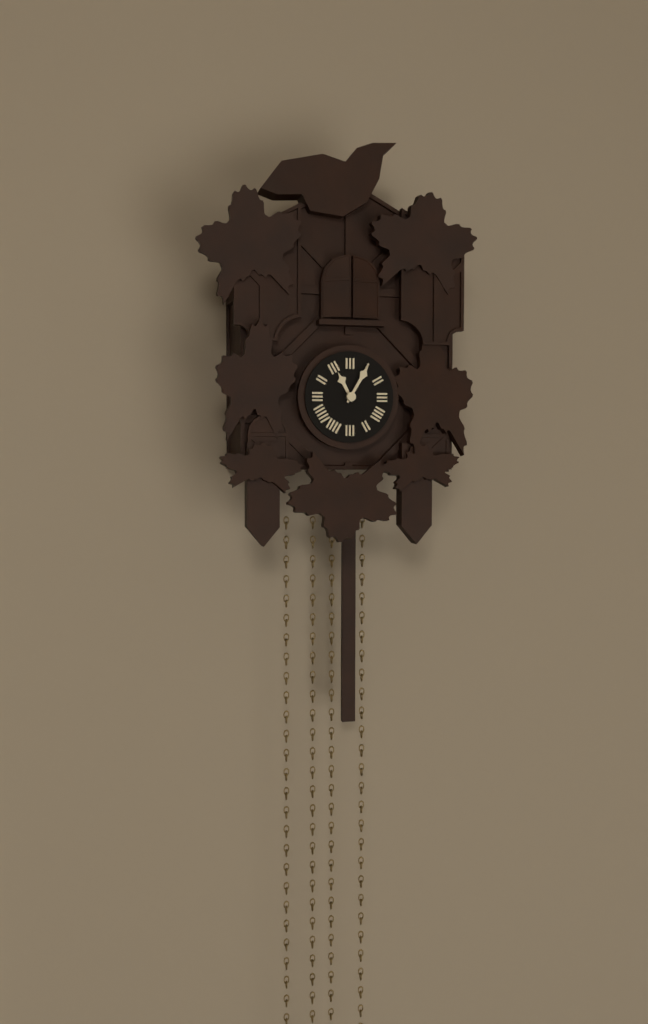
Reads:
11,05
